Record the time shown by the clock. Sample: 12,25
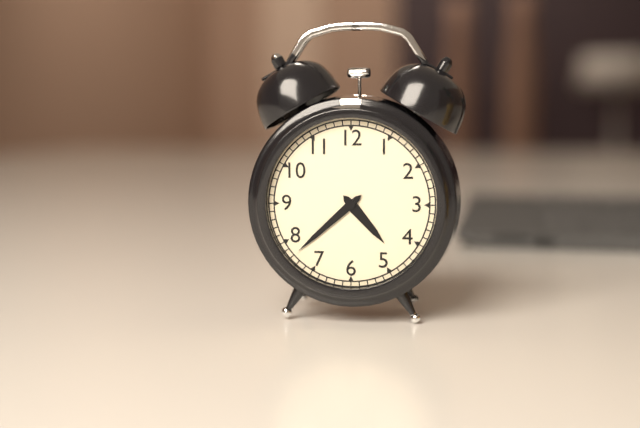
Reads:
4,38
